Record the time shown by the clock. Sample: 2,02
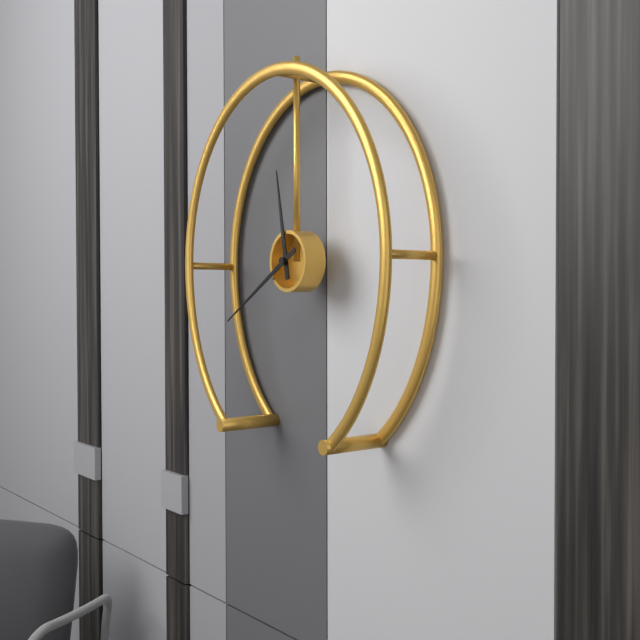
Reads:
11,40
